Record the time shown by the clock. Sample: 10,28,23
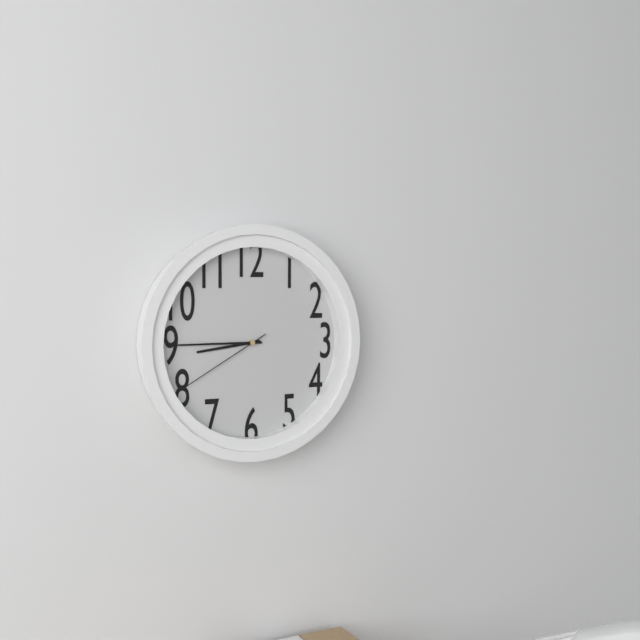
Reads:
8,45,40
